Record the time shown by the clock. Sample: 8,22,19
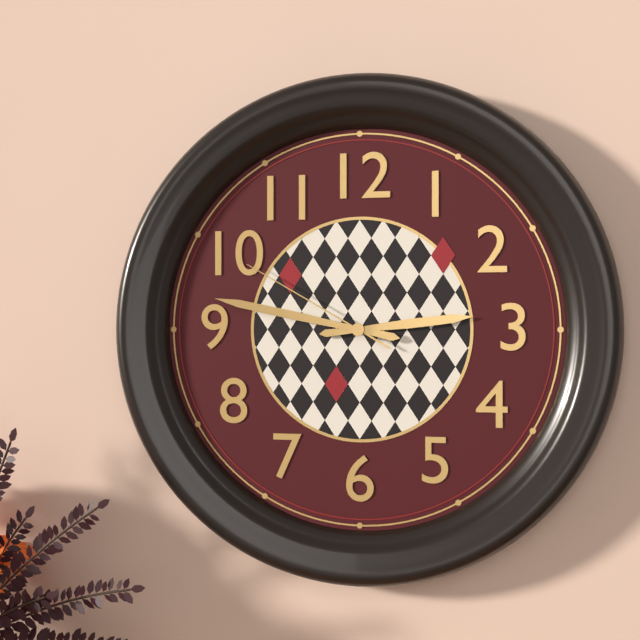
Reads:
2,47,50
